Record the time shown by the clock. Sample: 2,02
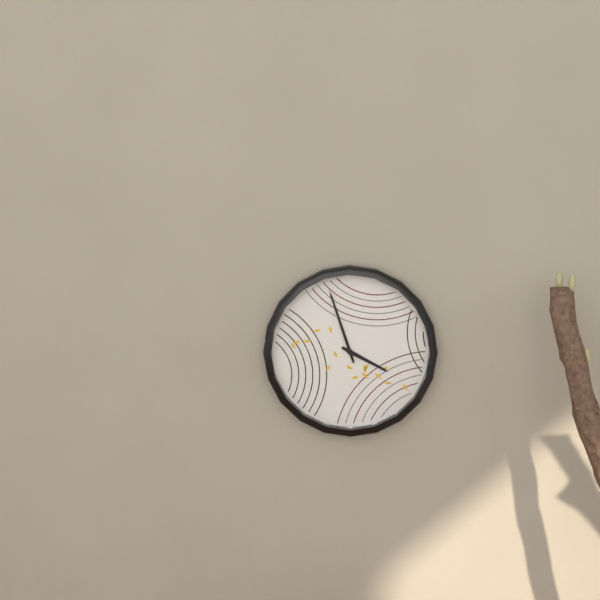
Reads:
3,57
